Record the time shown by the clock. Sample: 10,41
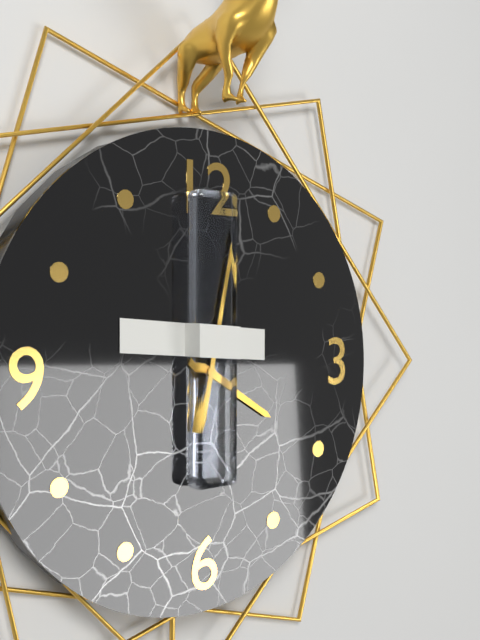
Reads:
4,02
